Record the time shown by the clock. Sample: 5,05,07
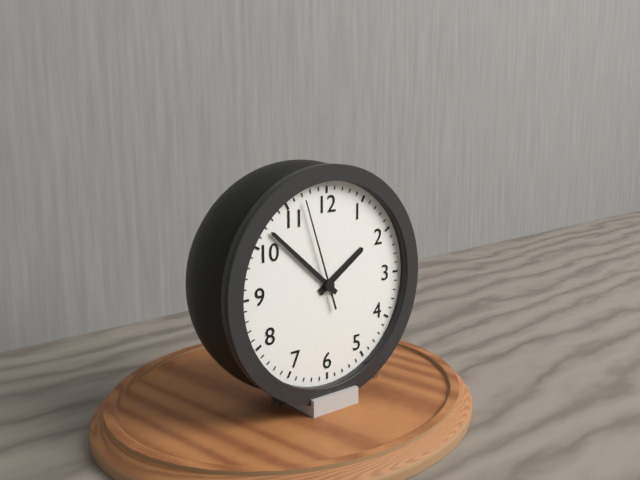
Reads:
1,52,57
